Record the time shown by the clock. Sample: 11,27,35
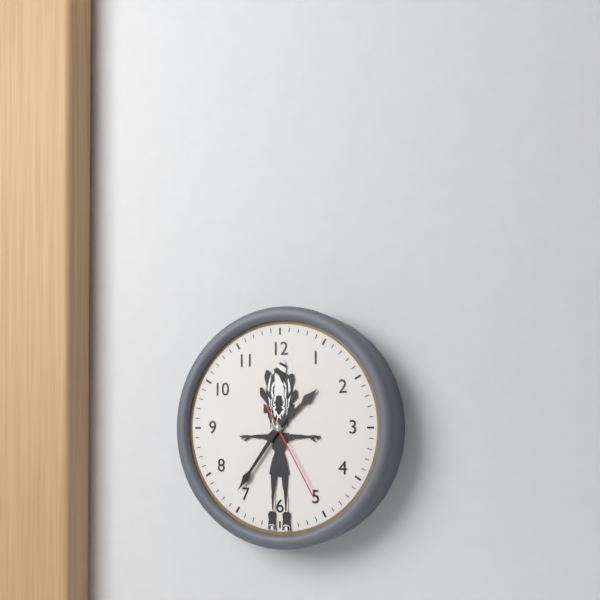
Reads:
1,36,25
